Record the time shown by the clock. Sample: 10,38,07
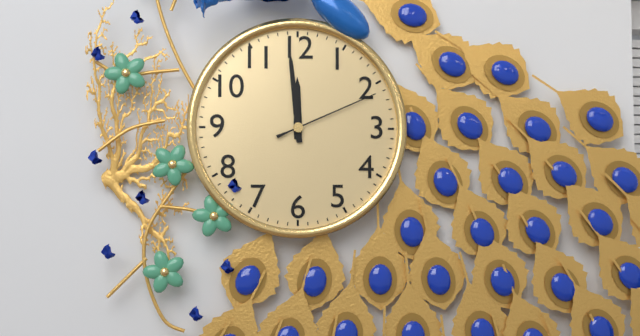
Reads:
11,59,11
